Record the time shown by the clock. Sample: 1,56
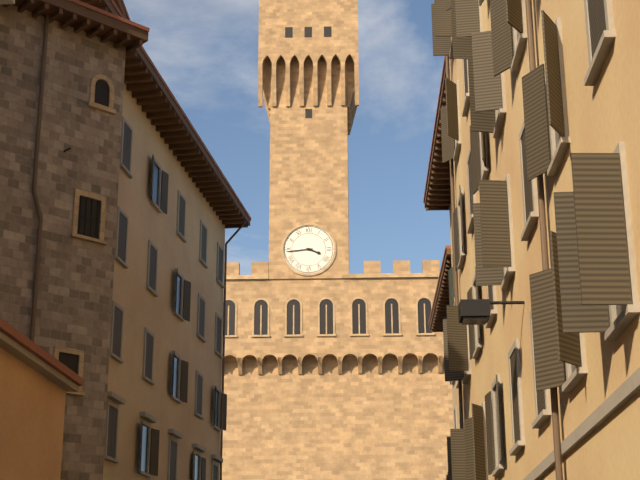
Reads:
3,44
